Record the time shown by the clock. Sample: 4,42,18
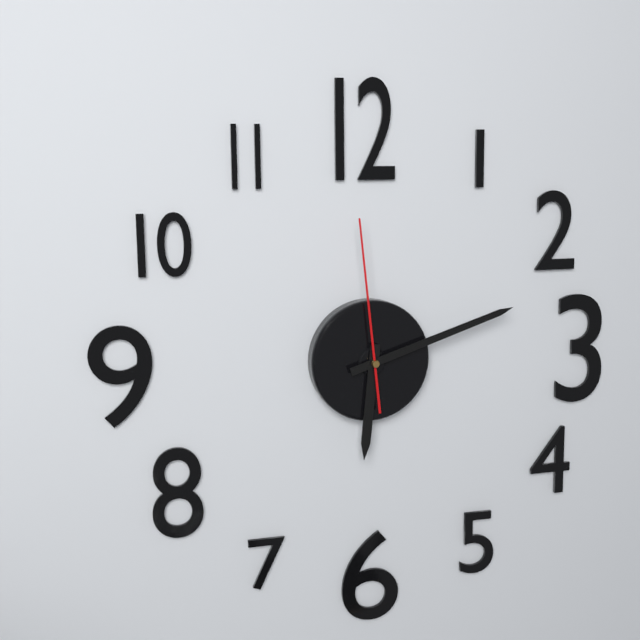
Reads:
6,12,59
